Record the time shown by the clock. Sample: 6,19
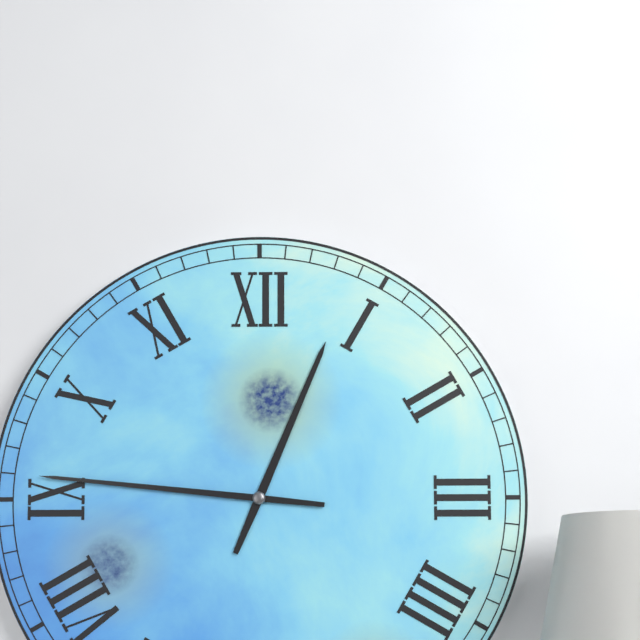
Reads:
12,46
